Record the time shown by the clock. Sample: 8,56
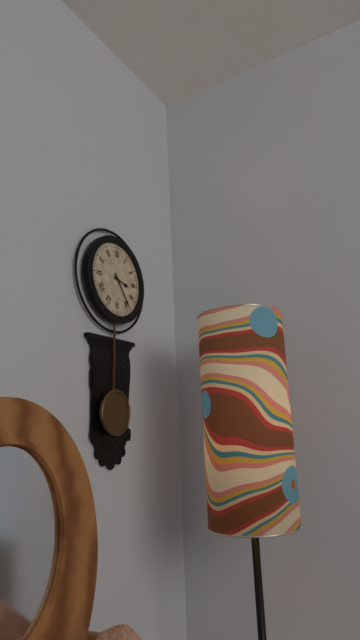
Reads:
3,24
